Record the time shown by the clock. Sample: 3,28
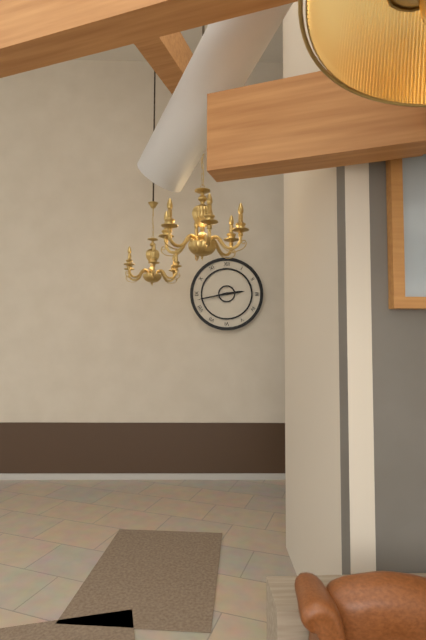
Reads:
2,43
